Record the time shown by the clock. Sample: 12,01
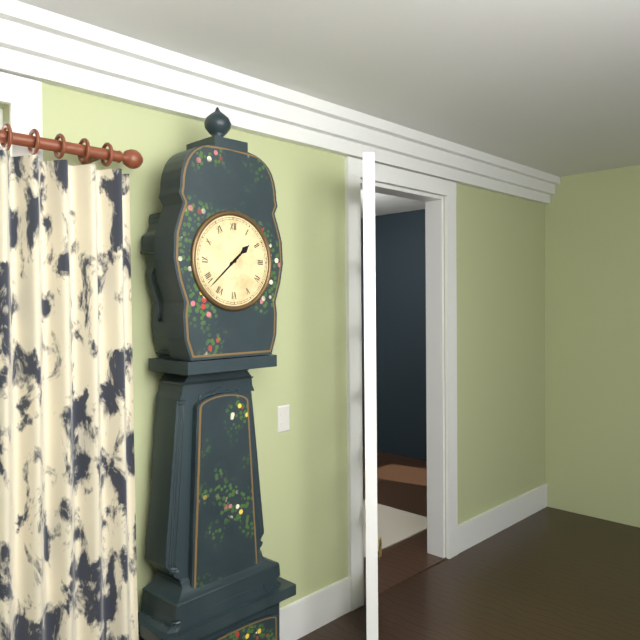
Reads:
1,38
